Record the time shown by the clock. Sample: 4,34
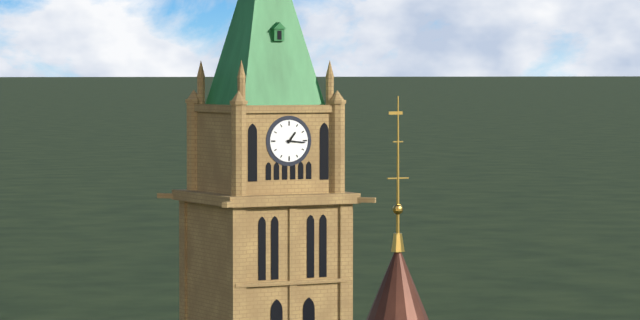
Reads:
1,16
